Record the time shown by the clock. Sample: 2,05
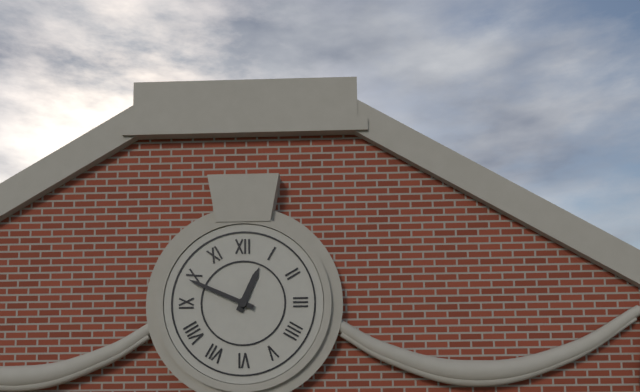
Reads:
12,49
